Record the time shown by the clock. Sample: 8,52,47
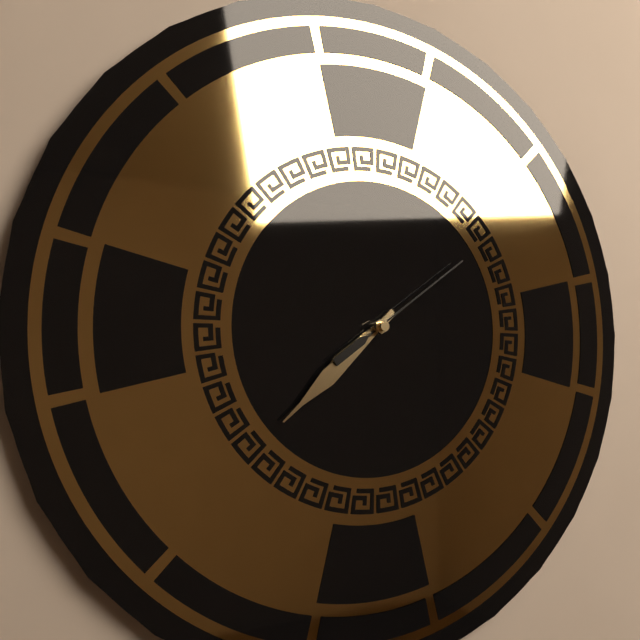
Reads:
7,38,09
